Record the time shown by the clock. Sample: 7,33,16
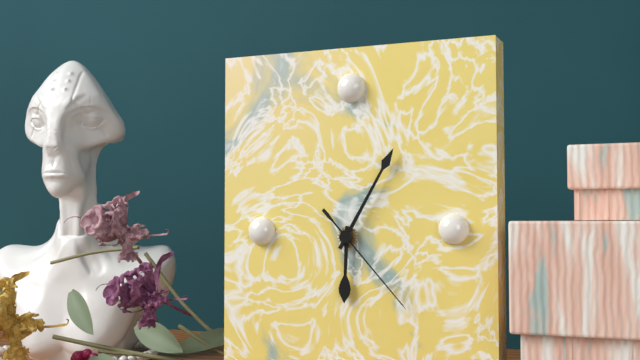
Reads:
6,05,23
